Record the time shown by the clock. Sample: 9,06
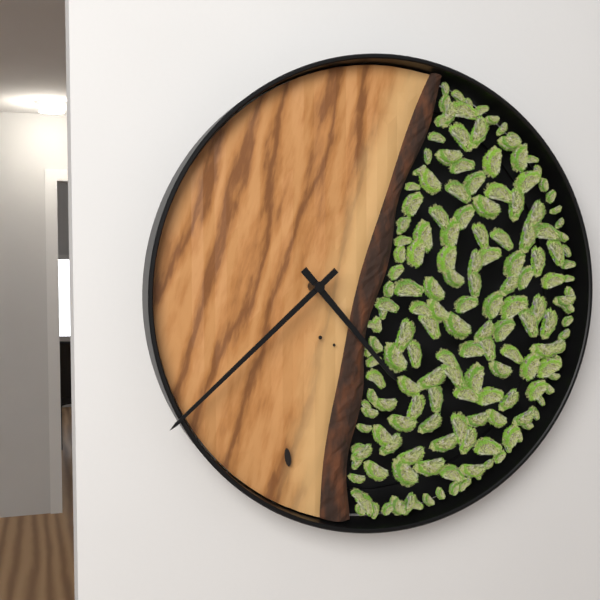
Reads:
4,38
